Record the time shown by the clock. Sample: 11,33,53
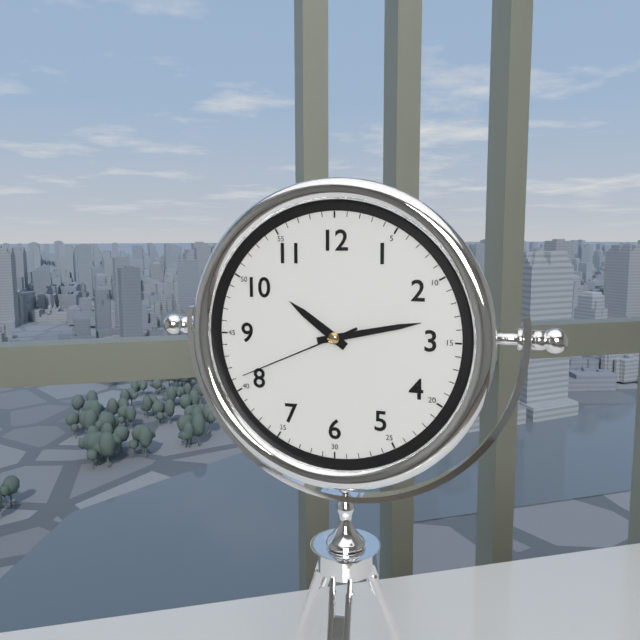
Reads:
10,13,41
